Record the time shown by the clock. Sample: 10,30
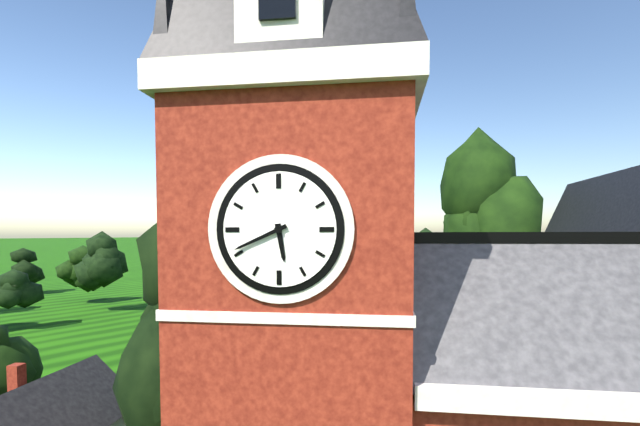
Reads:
5,41
